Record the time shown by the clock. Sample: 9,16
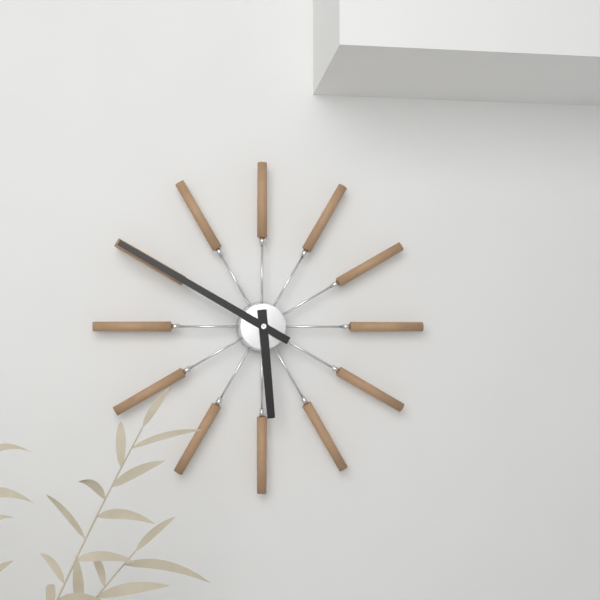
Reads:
5,50
